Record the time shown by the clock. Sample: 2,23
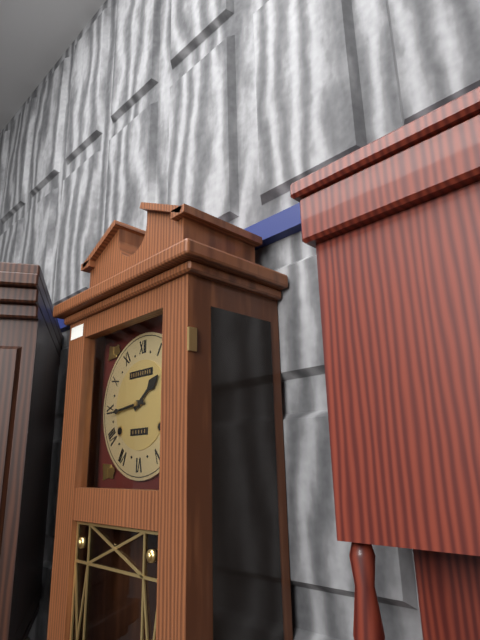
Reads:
1,44
